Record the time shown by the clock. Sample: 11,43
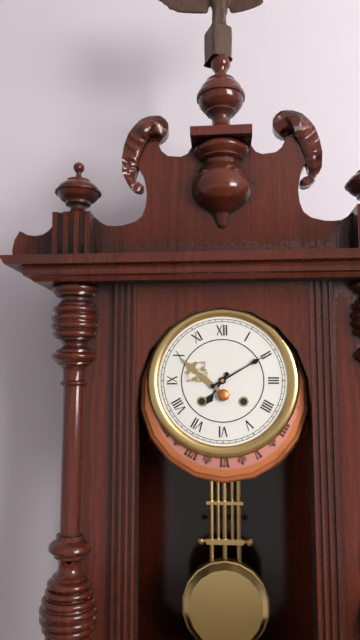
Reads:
7,10
